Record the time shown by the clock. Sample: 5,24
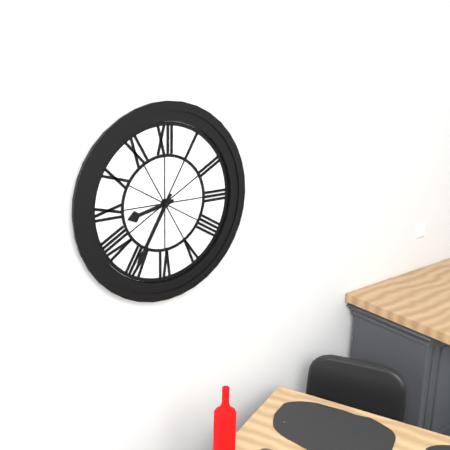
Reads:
8,35
